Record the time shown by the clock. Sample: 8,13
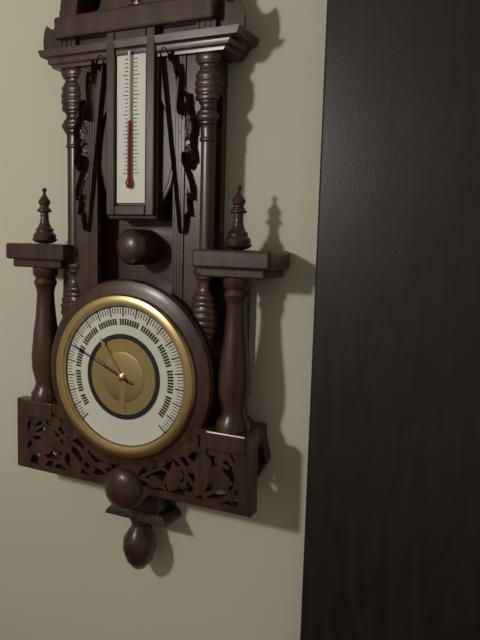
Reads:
10,49
